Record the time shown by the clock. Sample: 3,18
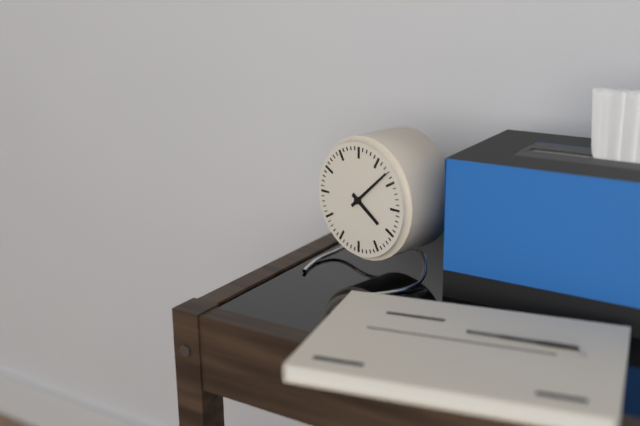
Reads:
4,08
